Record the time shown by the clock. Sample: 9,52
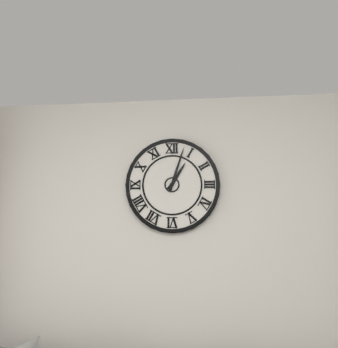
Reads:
1,03
